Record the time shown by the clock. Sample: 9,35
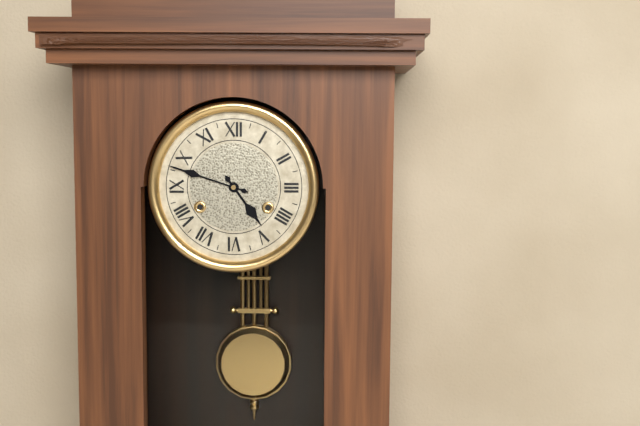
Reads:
4,48
